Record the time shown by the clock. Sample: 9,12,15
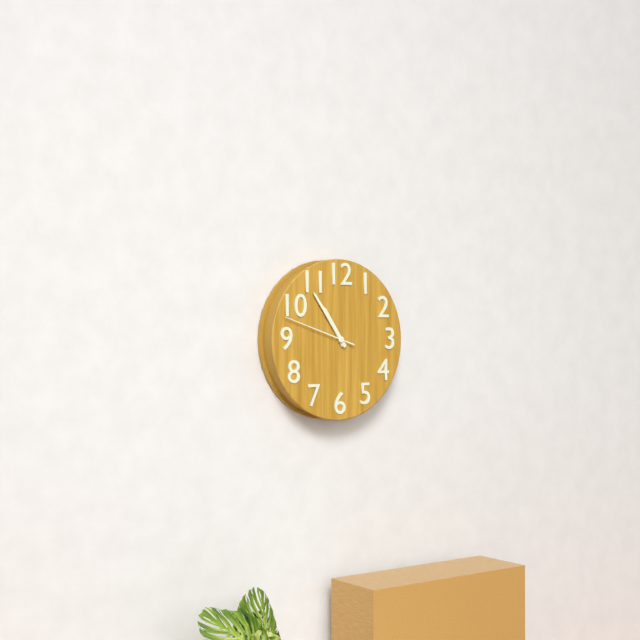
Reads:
10,54,48
